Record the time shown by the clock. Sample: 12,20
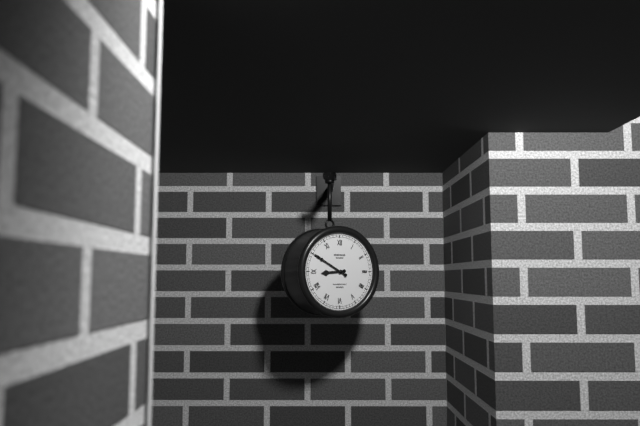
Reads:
8,50
